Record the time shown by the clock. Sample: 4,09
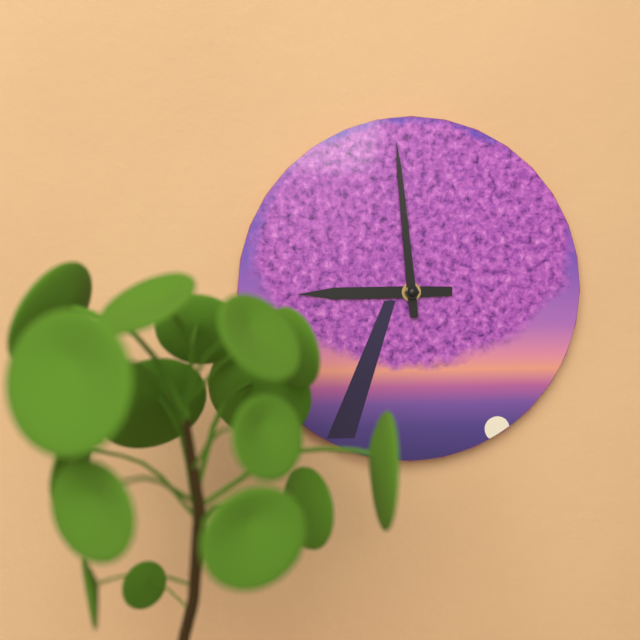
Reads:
8,59
